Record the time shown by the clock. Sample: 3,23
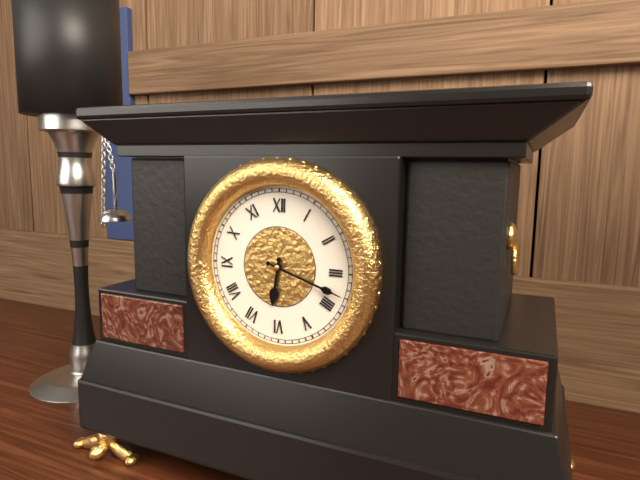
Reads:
6,18
